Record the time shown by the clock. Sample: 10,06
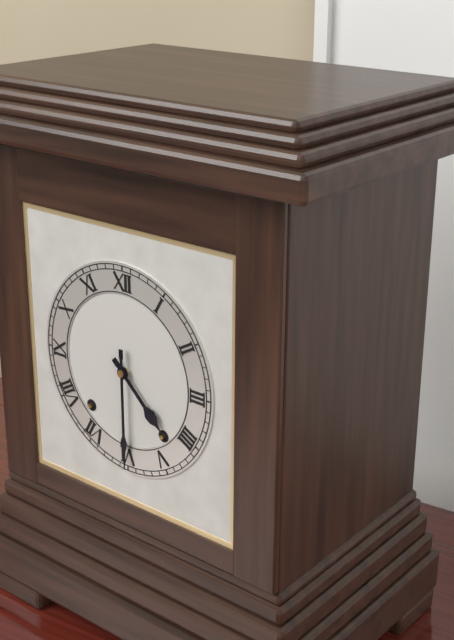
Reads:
4,30
